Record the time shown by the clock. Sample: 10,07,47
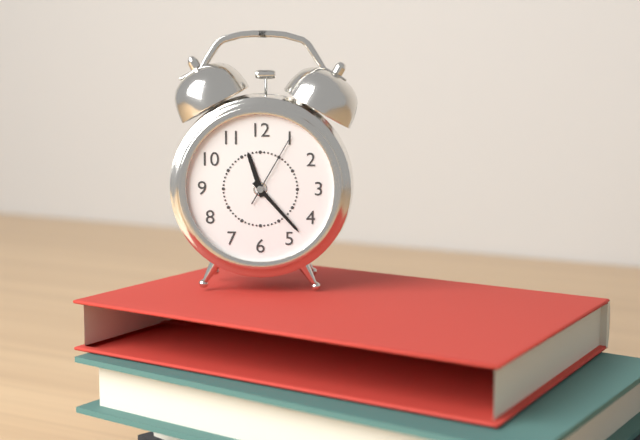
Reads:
11,23,05
